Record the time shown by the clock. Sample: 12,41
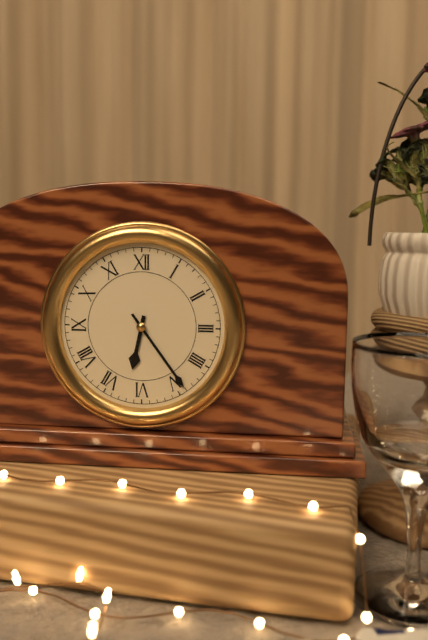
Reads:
6,24
